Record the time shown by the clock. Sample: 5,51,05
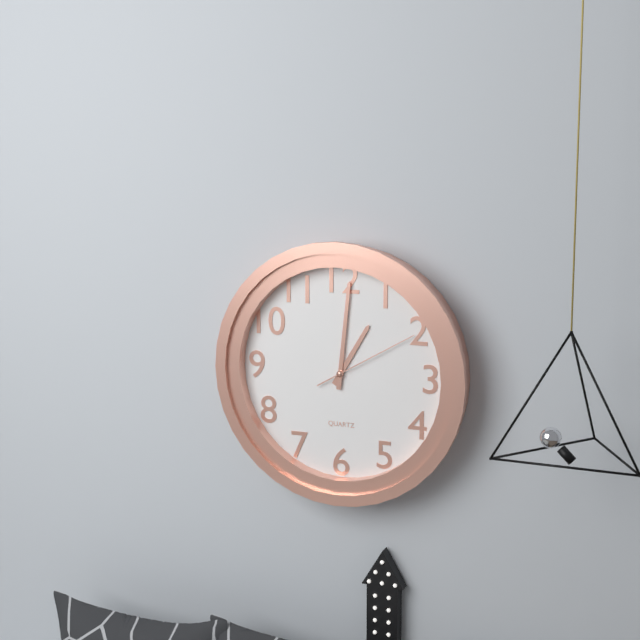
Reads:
1,01,10
